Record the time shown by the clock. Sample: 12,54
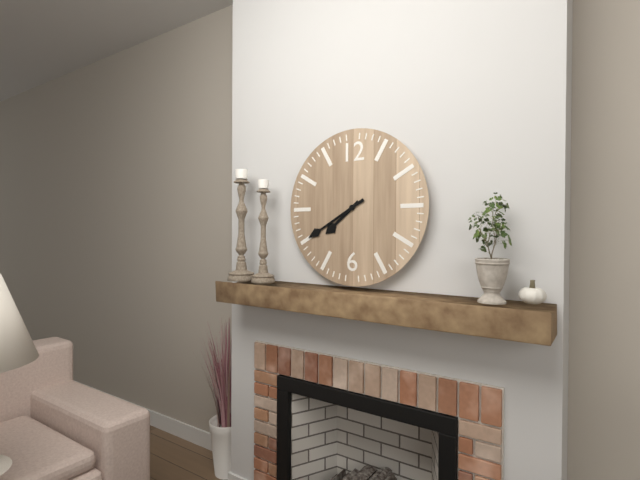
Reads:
7,40
